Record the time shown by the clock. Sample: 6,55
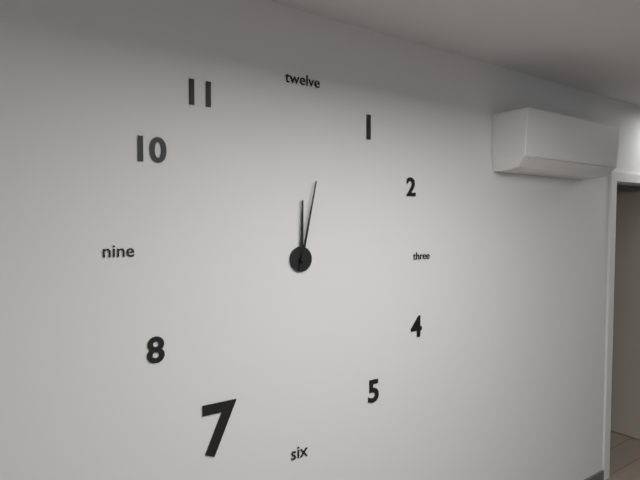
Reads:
12,02
